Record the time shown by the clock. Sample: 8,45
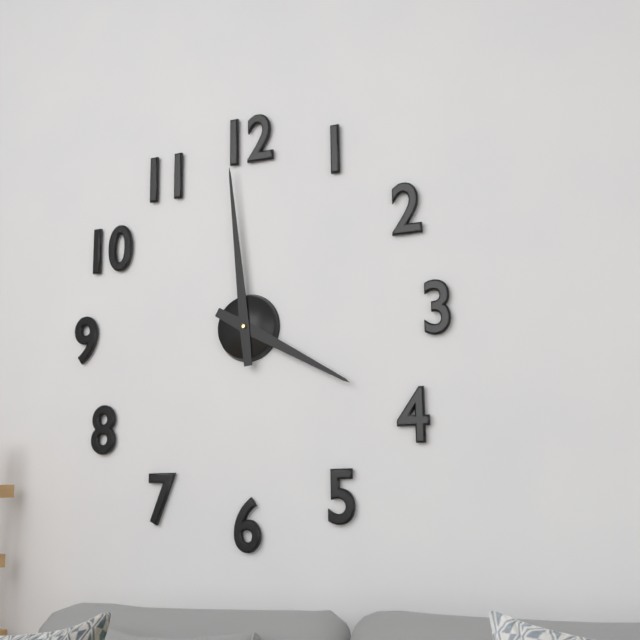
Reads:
3,59
